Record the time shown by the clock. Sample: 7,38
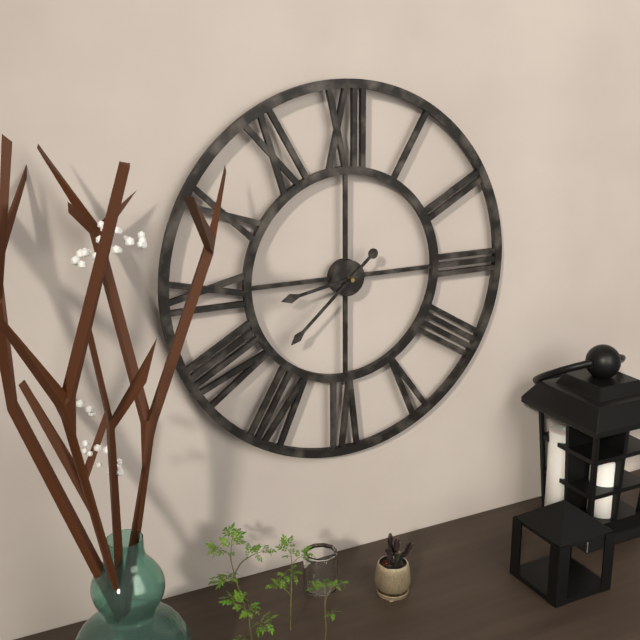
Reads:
8,38
